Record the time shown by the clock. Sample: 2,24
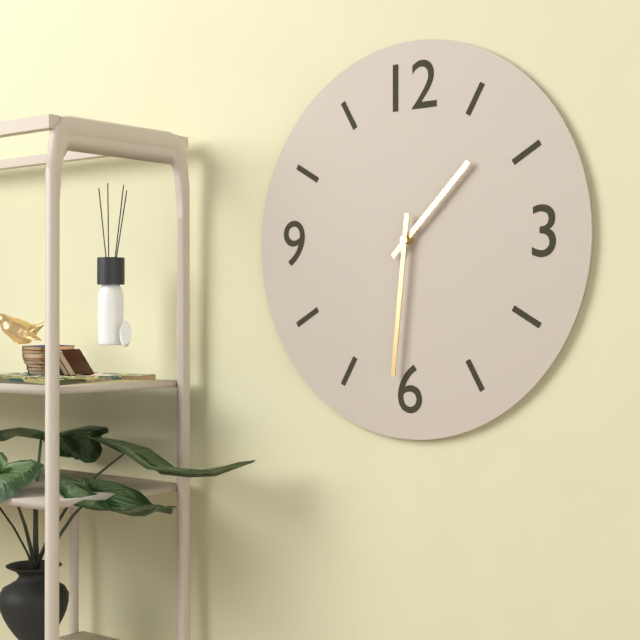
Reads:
1,31
